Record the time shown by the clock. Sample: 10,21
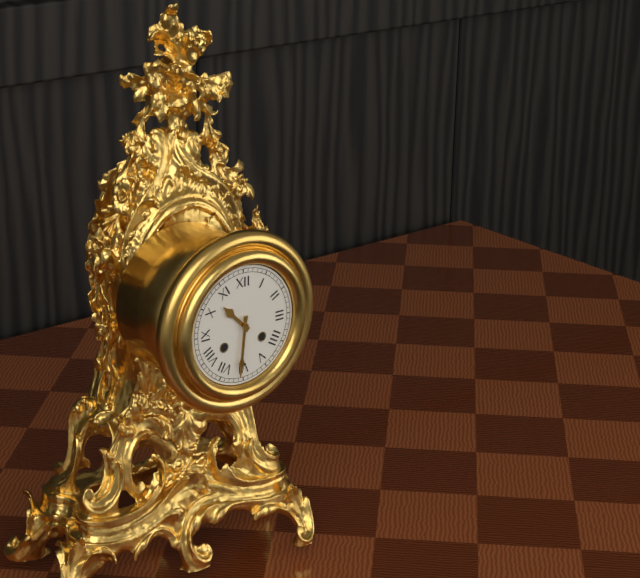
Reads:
10,31
